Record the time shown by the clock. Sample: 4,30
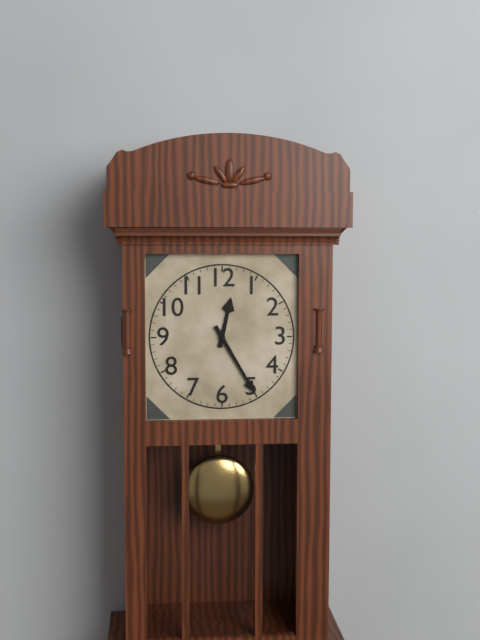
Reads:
12,25
